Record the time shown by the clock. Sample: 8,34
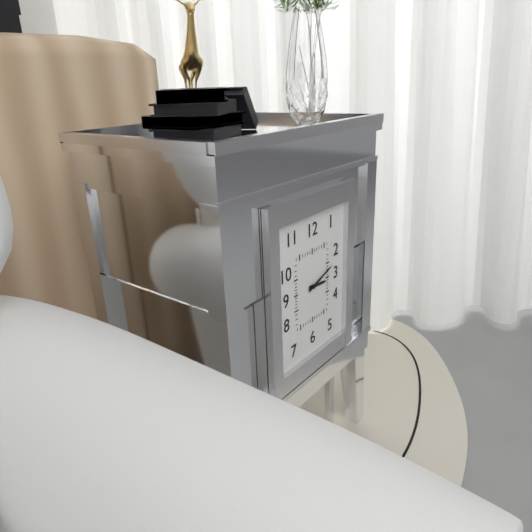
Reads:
3,12
